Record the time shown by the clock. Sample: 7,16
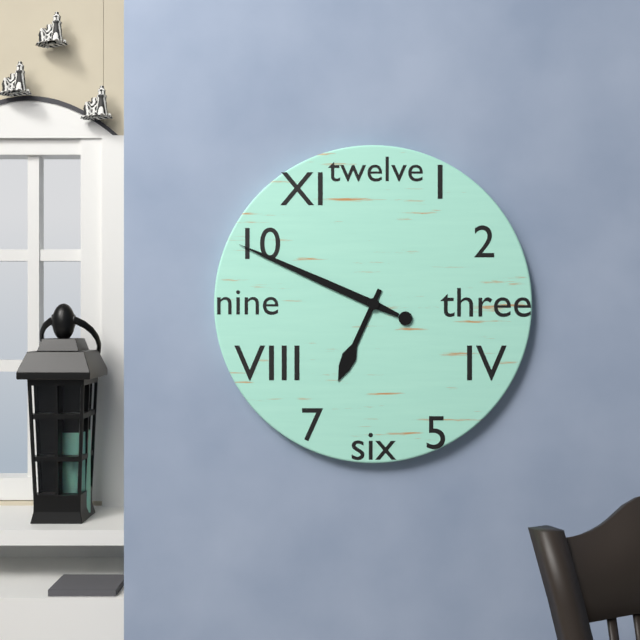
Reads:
6,49
